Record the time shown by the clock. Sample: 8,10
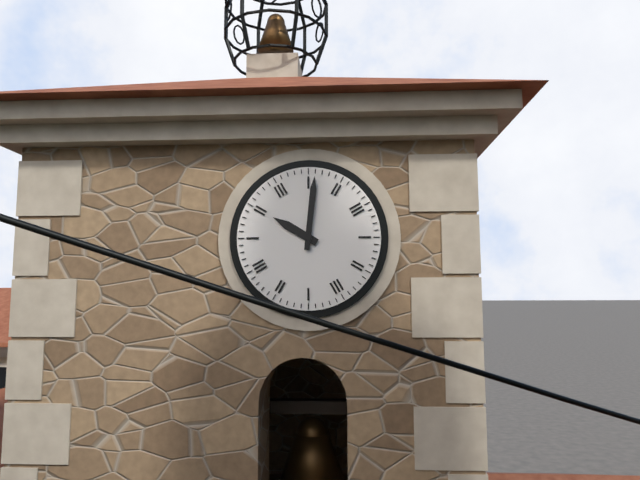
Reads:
10,01
